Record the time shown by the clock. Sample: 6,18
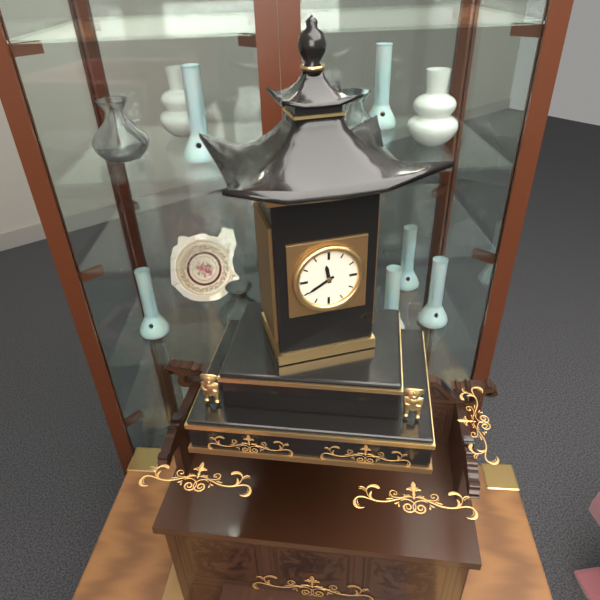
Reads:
11,40
